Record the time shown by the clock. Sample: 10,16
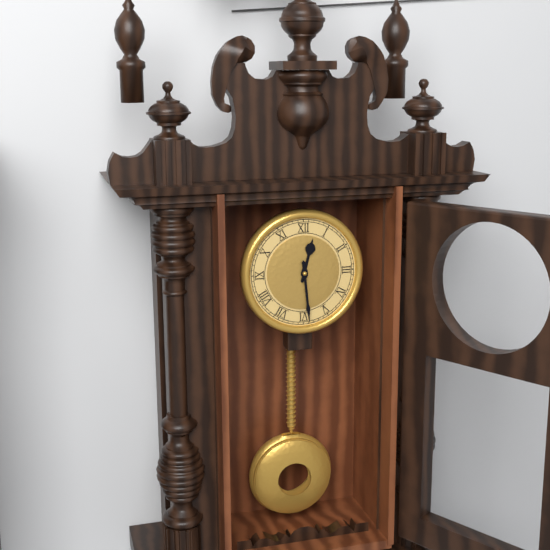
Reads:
12,29
